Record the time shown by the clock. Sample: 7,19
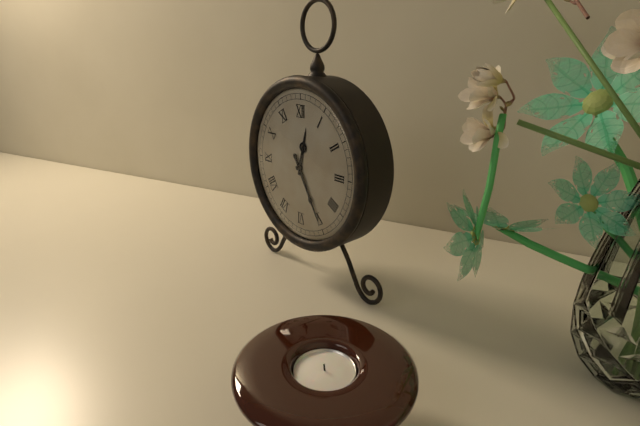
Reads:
12,25
